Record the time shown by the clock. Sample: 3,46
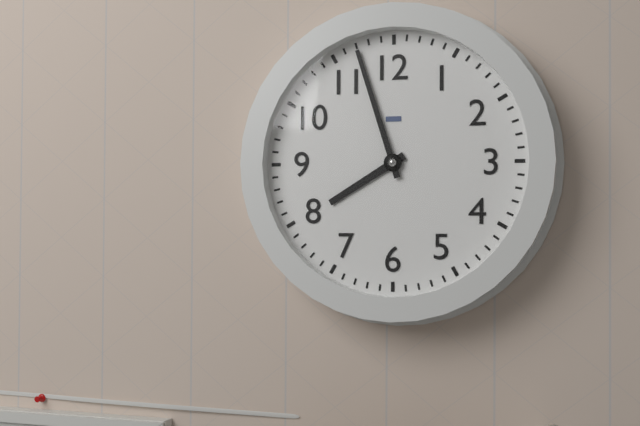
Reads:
7,57
